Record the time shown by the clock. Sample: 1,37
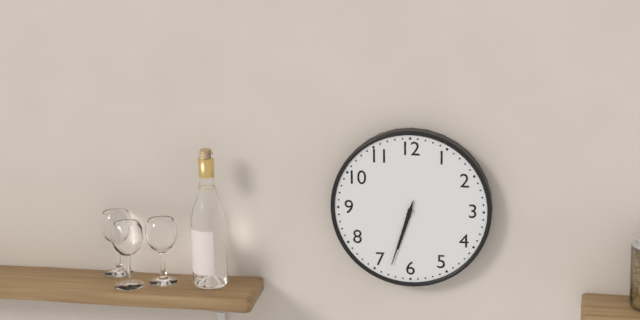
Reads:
6,33
